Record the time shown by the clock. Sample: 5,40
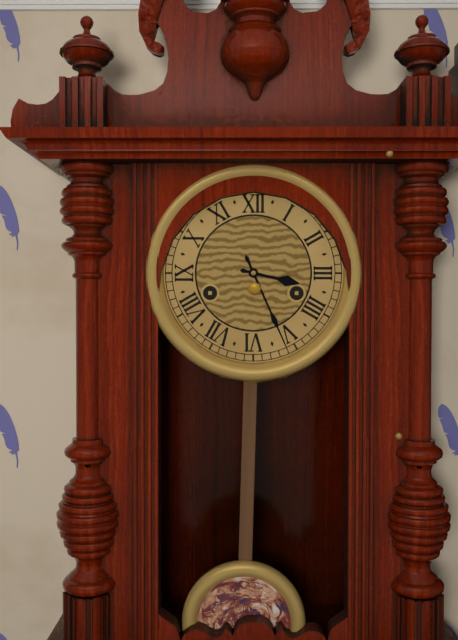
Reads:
3,26
